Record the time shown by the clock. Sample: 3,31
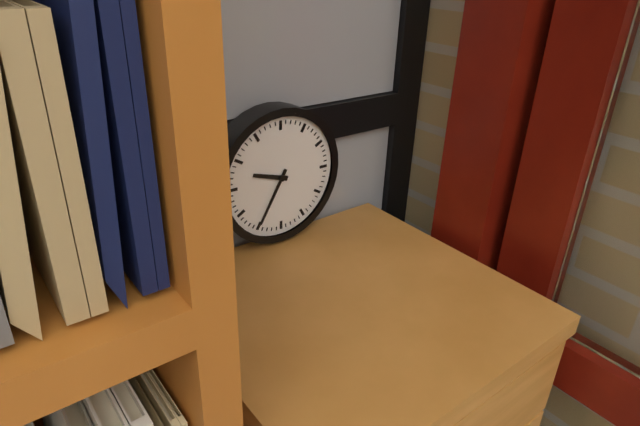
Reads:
9,35
